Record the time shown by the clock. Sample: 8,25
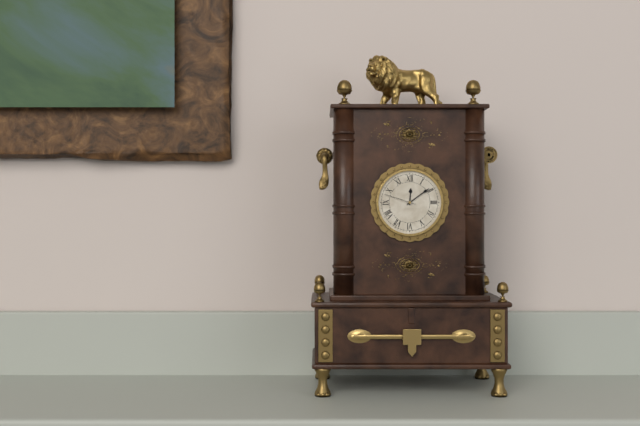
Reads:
12,09
